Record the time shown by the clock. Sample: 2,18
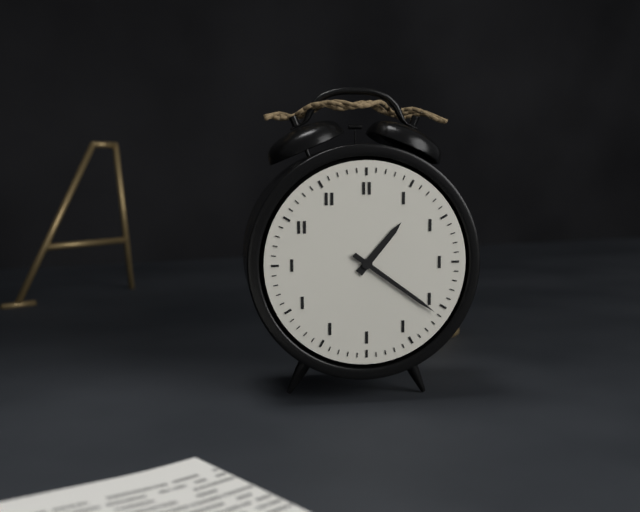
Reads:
1,21
